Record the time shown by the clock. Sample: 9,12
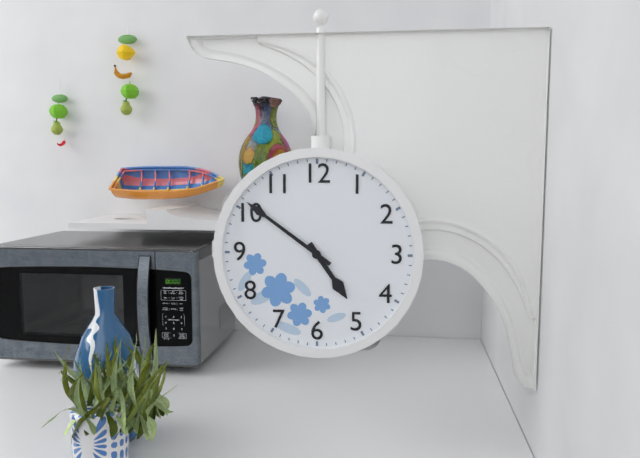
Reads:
4,51
